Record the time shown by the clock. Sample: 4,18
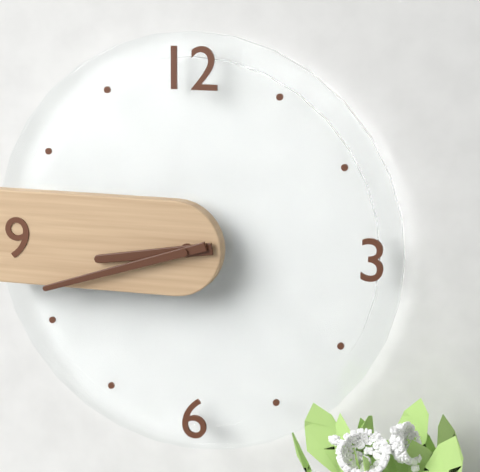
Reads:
8,42
